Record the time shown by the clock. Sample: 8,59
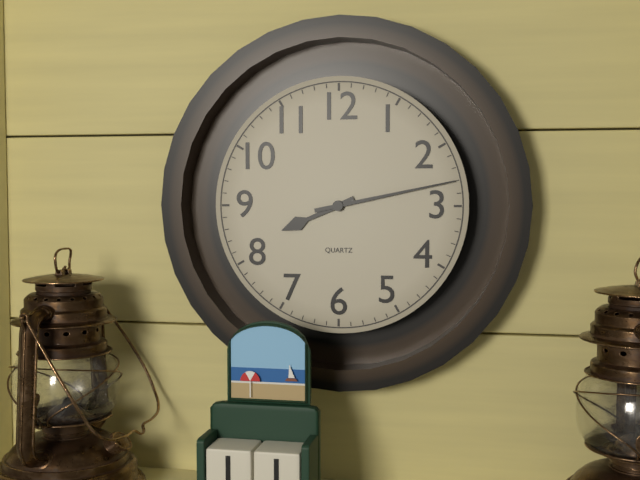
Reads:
8,13
